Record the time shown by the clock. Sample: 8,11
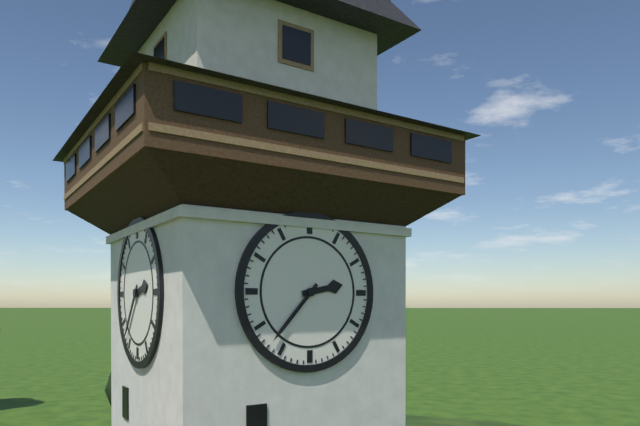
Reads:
2,37
